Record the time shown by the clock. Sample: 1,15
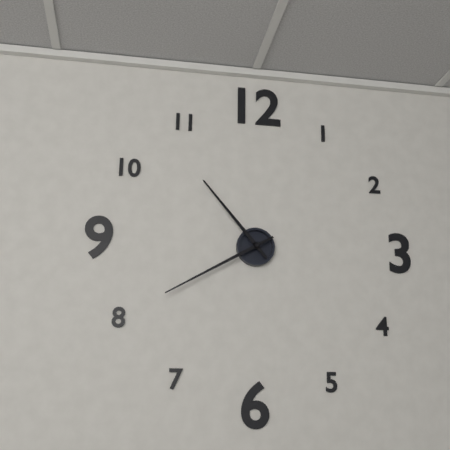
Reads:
10,40
